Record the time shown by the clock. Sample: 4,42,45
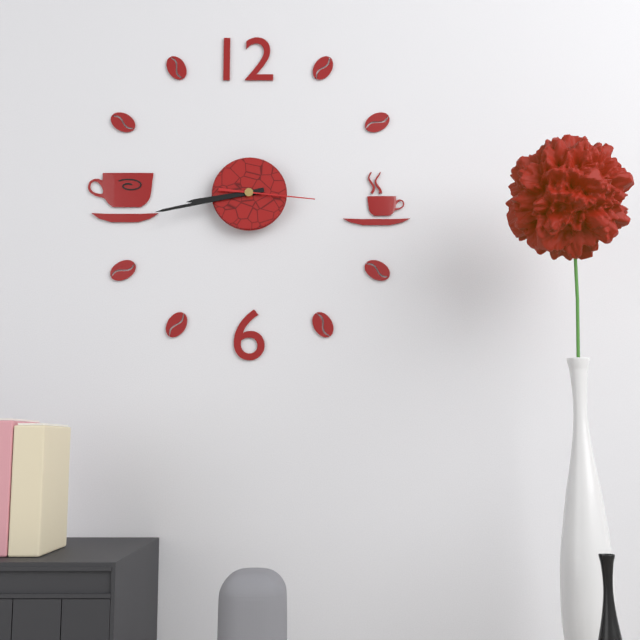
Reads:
8,43,16
